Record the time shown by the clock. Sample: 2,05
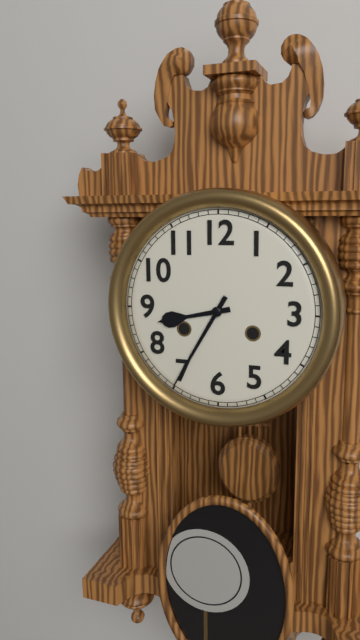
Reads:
8,35
